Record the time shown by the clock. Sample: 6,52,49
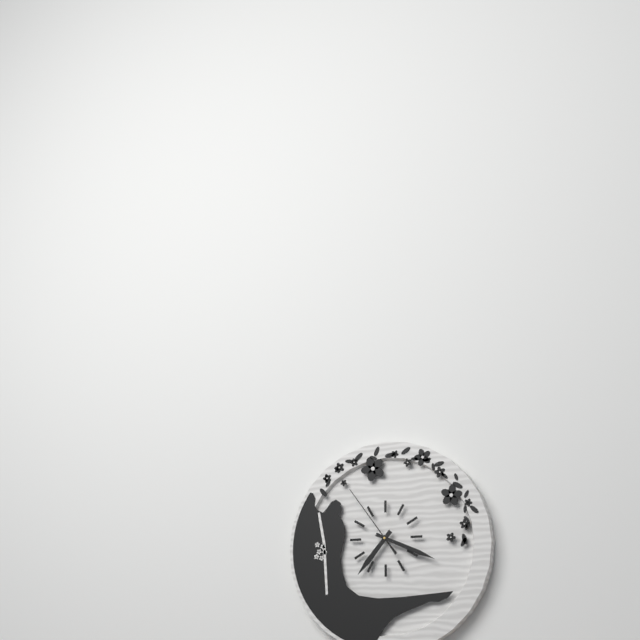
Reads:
7,19,54
